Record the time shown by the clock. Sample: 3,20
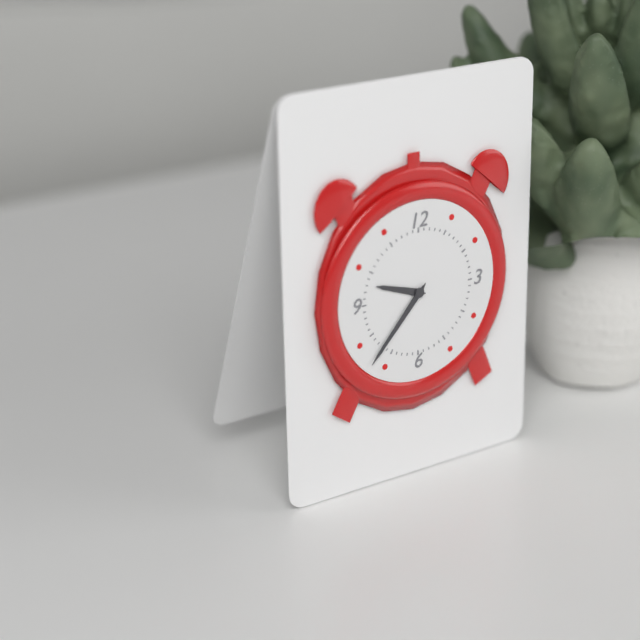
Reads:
9,37
